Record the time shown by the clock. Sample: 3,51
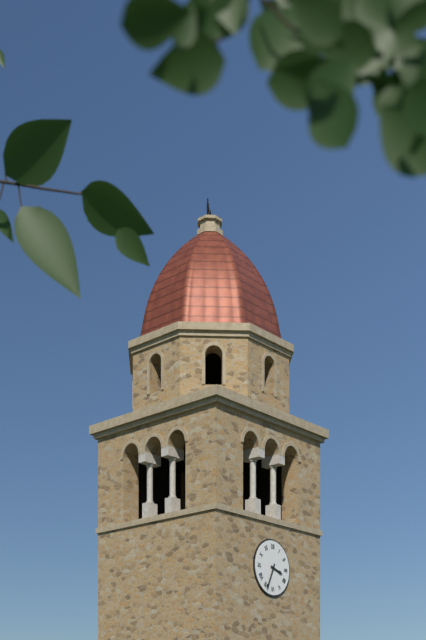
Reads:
3,34
